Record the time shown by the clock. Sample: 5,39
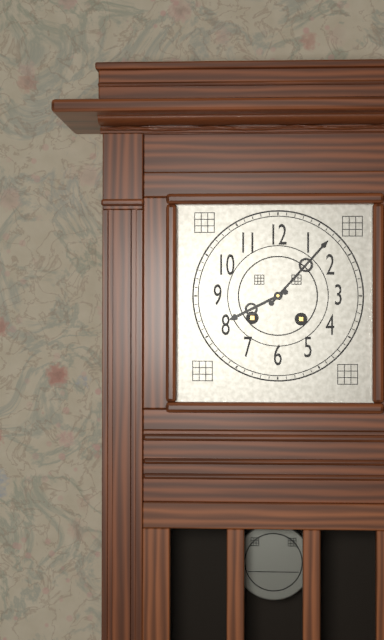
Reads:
8,07
